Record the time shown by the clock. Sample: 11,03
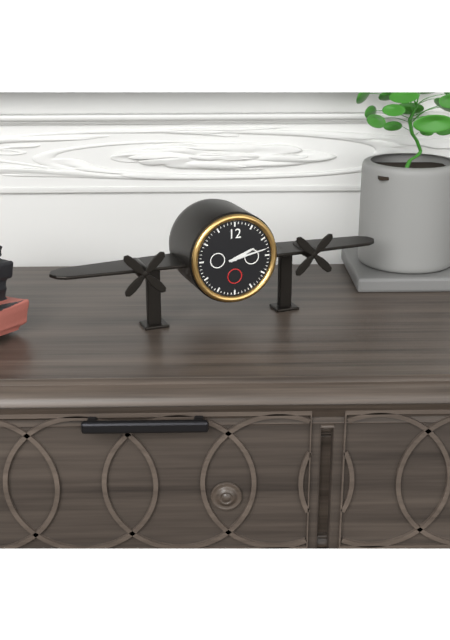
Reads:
2,13
